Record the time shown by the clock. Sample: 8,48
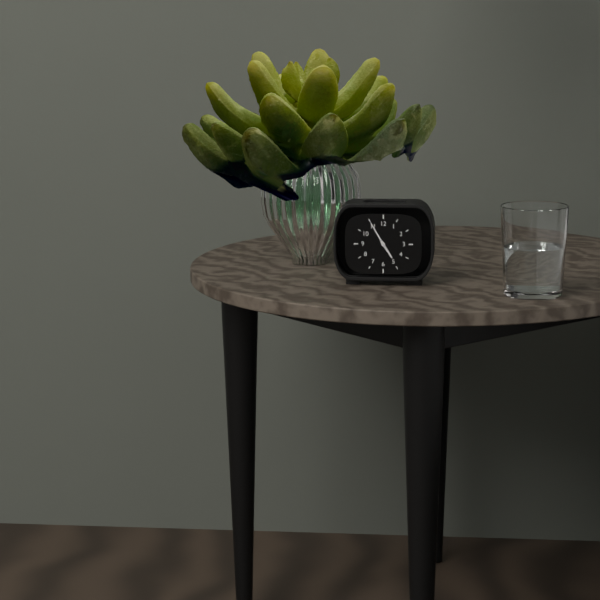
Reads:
4,55
